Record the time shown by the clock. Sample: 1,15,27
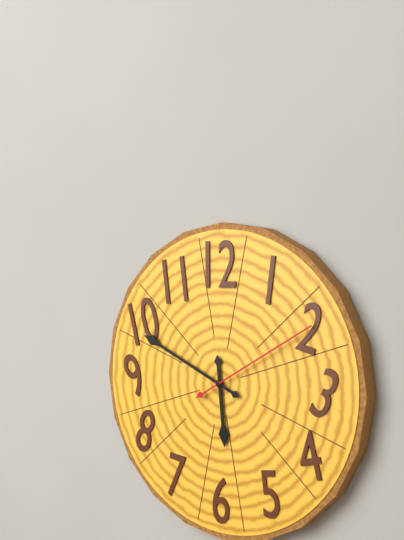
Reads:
5,49,10
